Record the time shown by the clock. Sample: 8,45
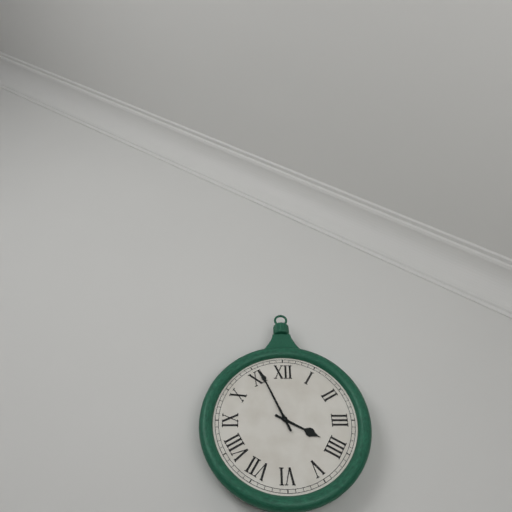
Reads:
3,56
